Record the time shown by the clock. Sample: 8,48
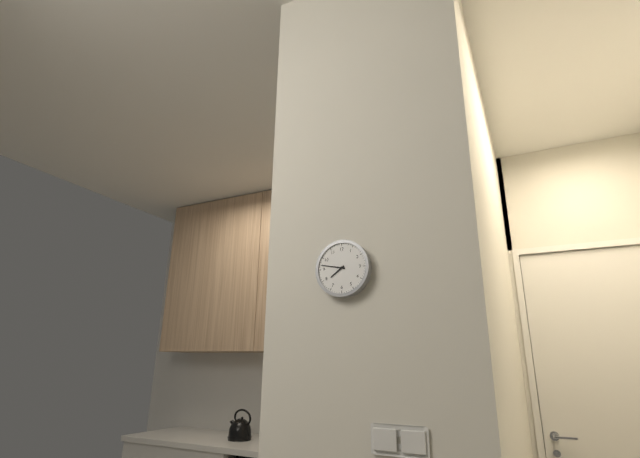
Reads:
7,47
